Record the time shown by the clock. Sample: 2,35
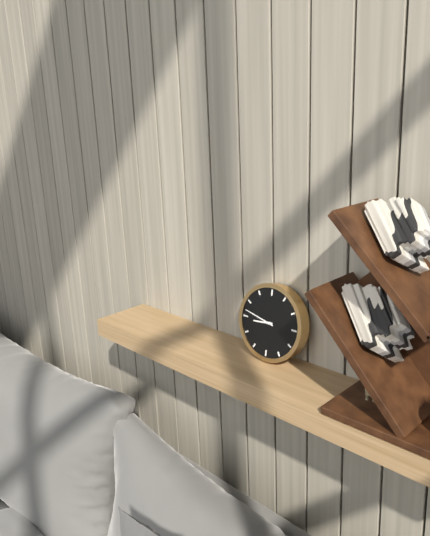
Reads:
8,47
